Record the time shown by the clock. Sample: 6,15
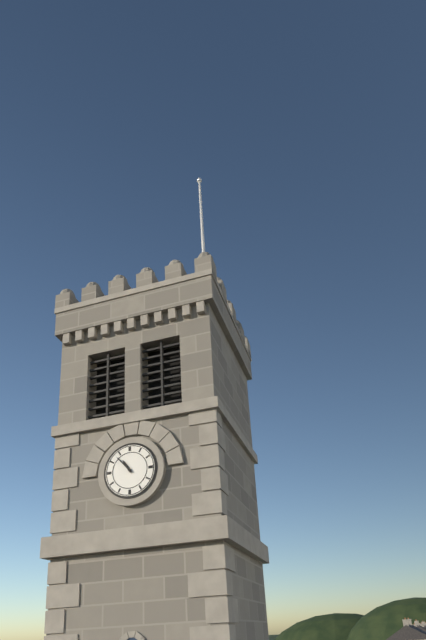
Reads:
10,53
